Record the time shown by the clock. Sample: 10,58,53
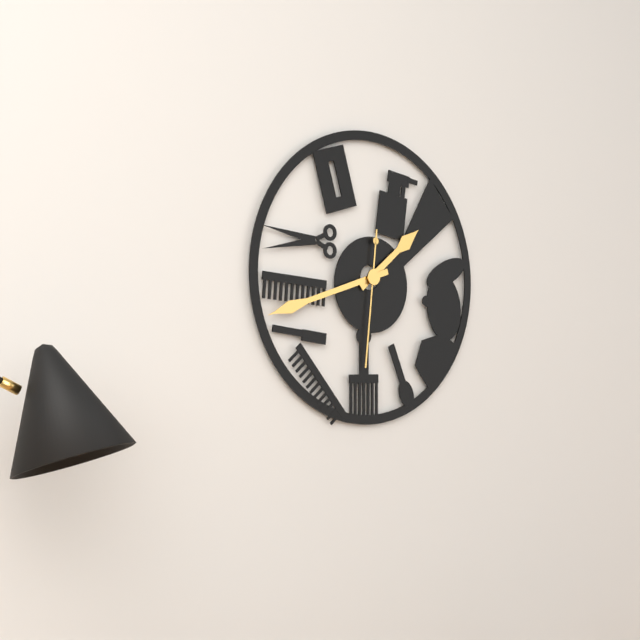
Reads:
1,42,31
